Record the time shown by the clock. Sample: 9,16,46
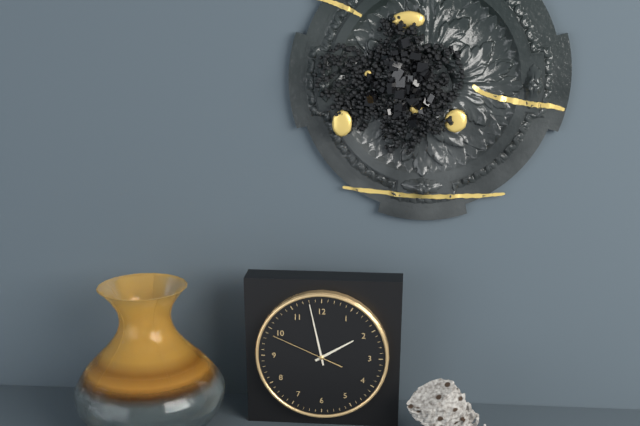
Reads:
1,58,49
